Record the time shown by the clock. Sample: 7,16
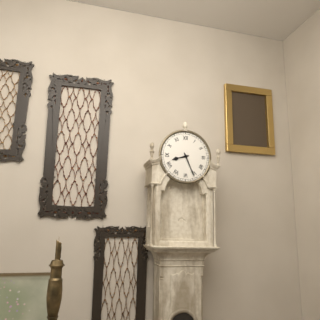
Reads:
8,26
